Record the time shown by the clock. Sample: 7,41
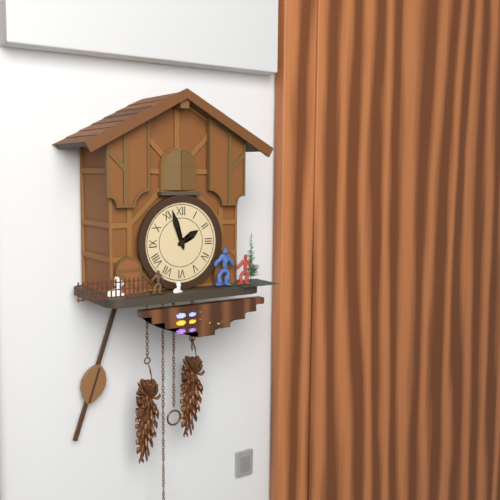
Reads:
1,57
